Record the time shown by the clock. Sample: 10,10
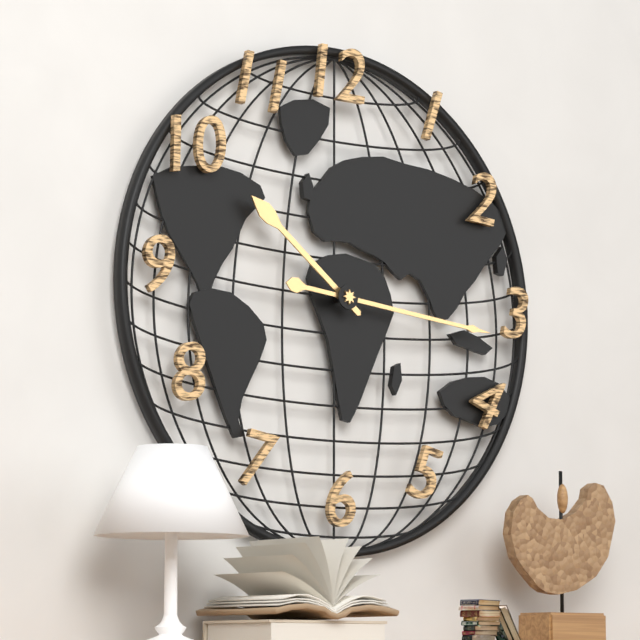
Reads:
10,16
